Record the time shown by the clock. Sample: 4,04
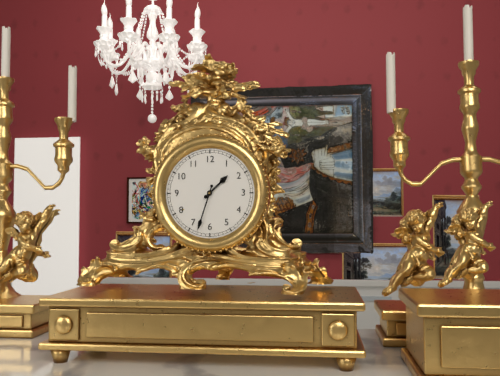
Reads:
1,33
